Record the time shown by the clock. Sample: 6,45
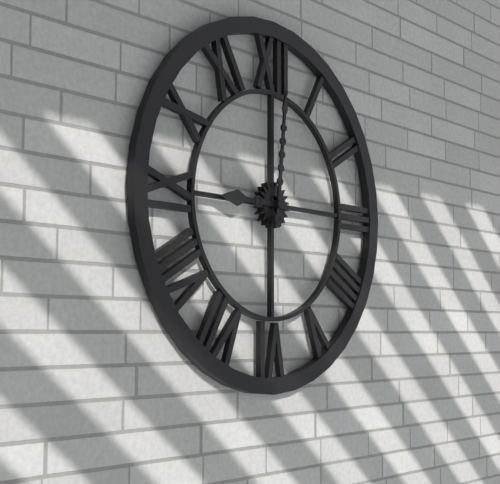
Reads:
9,01
